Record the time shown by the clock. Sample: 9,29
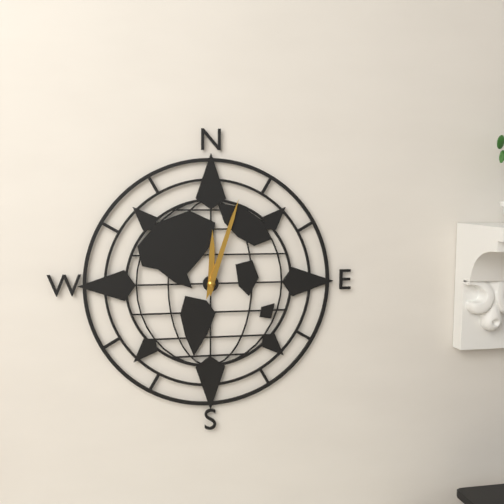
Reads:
12,03
